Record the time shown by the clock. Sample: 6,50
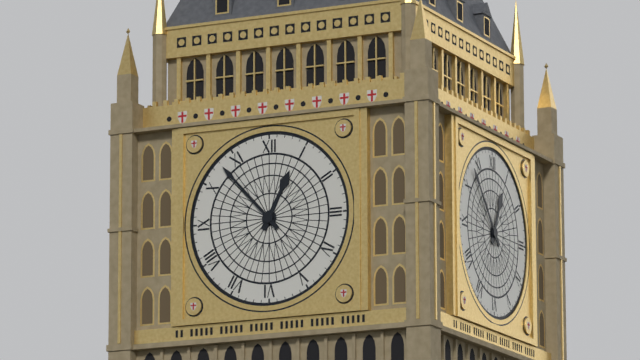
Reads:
12,53
